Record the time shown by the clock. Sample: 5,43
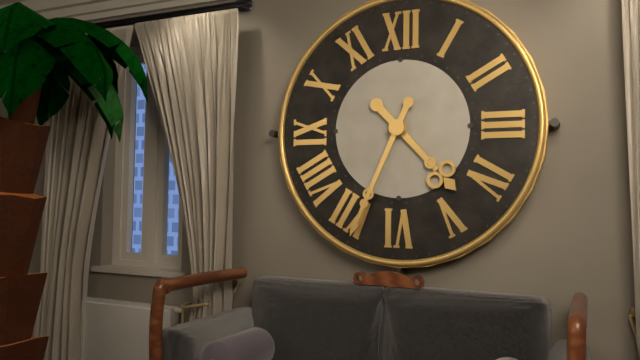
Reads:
4,34
